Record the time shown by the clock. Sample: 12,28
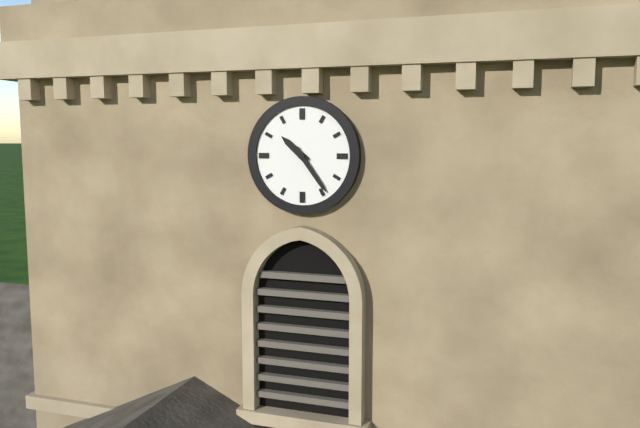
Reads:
10,24
